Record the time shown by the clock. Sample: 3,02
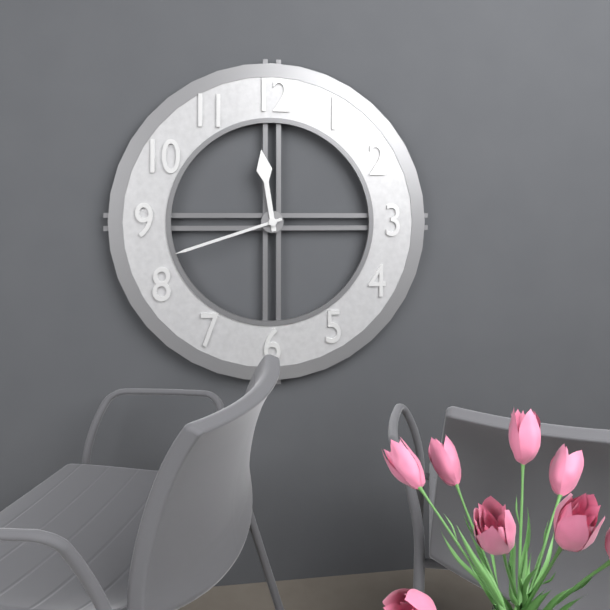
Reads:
11,42
